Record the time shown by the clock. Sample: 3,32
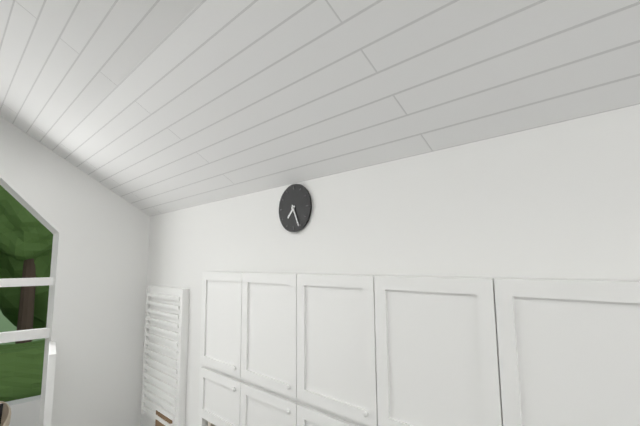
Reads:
7,26
